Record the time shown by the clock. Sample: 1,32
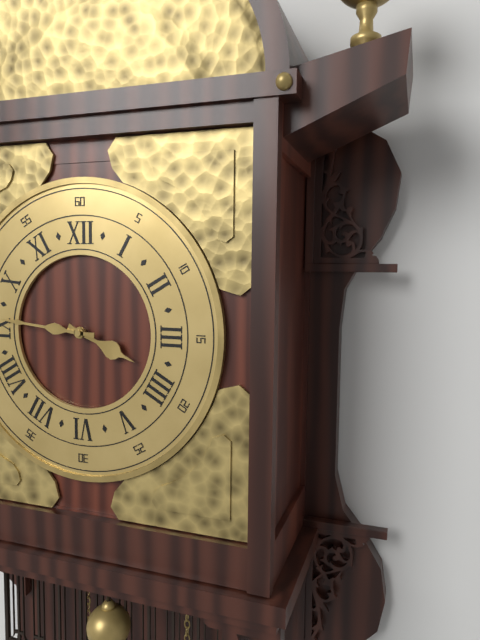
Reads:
3,46
